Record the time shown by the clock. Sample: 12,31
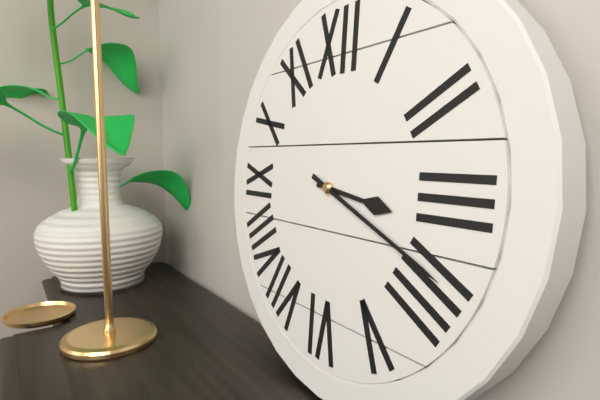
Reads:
3,19
